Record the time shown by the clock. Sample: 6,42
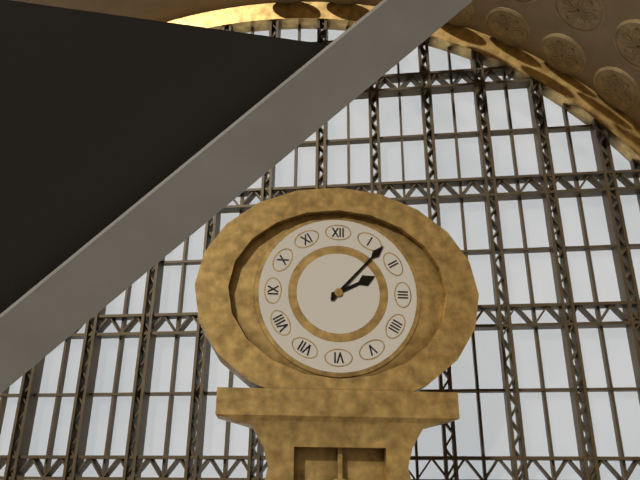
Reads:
2,07
